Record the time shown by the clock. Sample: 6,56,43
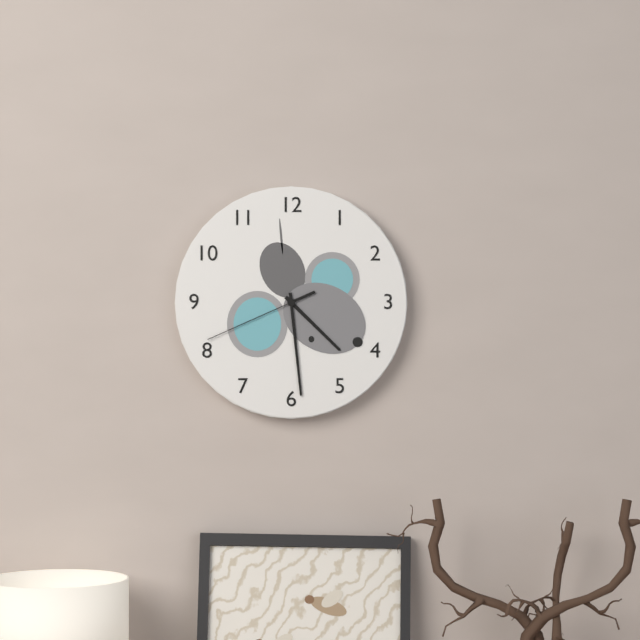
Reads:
4,29,41
